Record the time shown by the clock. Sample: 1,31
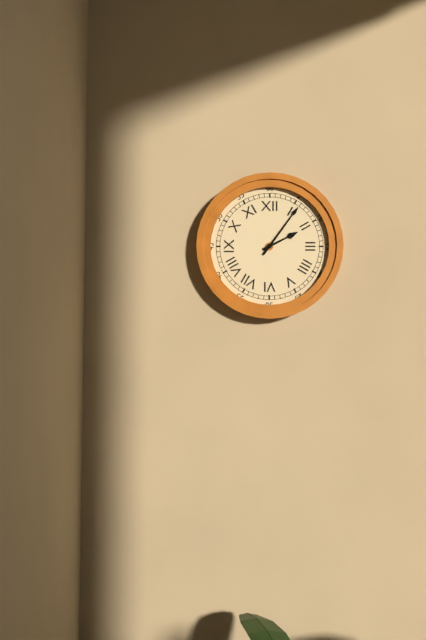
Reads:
2,06
